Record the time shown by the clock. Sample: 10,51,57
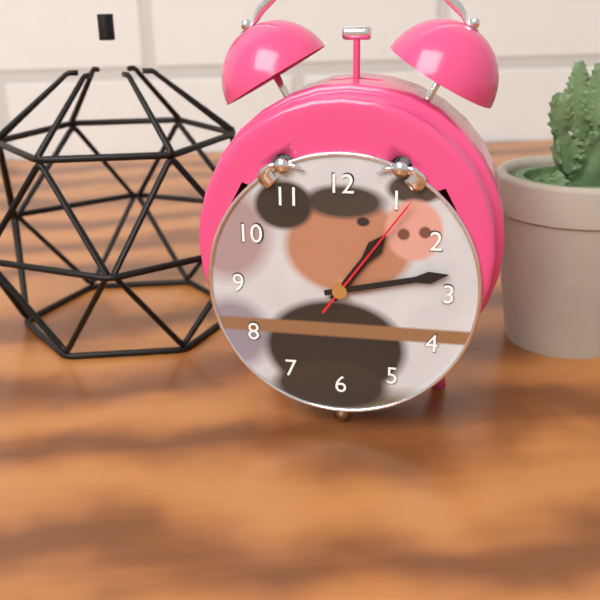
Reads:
1,13,06
